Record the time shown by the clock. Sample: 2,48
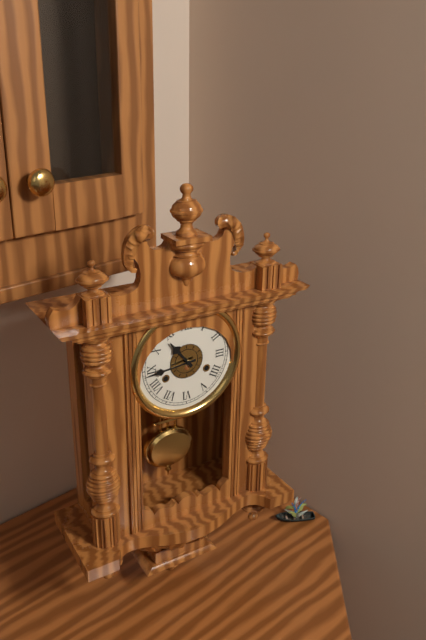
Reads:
10,44
